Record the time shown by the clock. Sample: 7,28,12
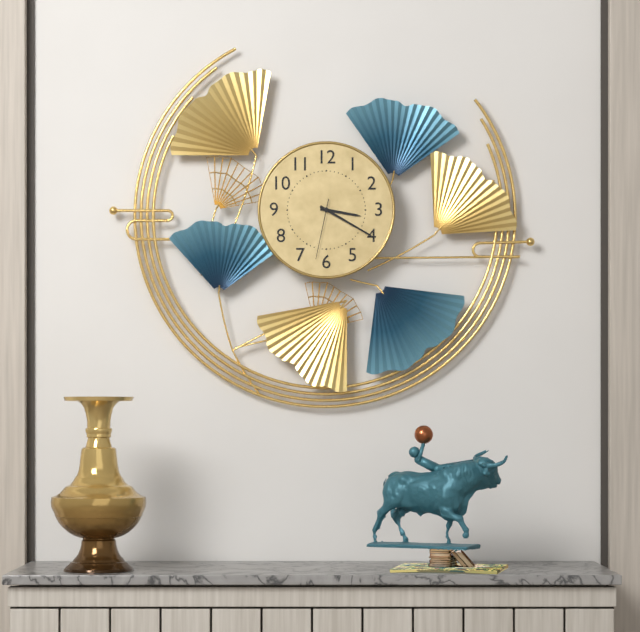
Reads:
3,20,32
